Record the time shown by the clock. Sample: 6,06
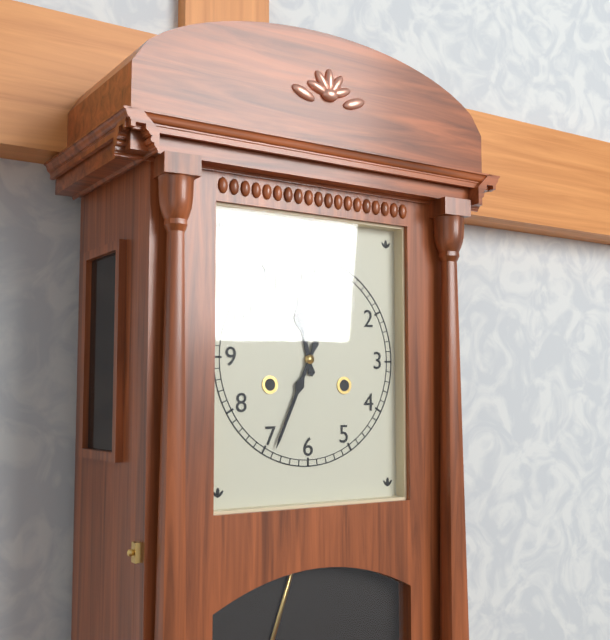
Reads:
11,34
